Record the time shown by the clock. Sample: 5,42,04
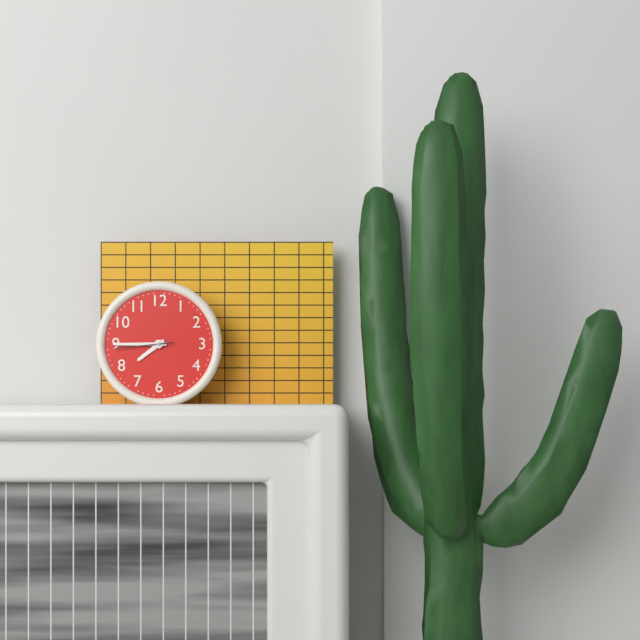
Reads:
7,45,44
